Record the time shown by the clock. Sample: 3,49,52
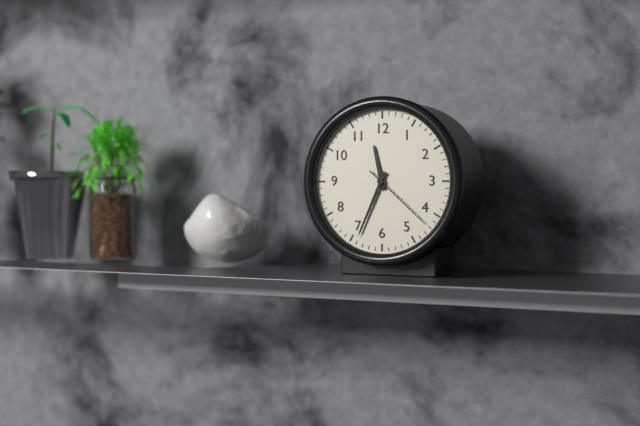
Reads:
11,34,22
